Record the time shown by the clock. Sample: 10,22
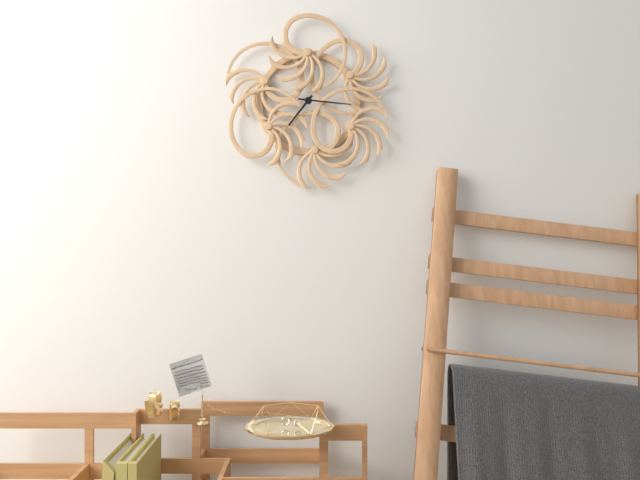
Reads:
7,16
